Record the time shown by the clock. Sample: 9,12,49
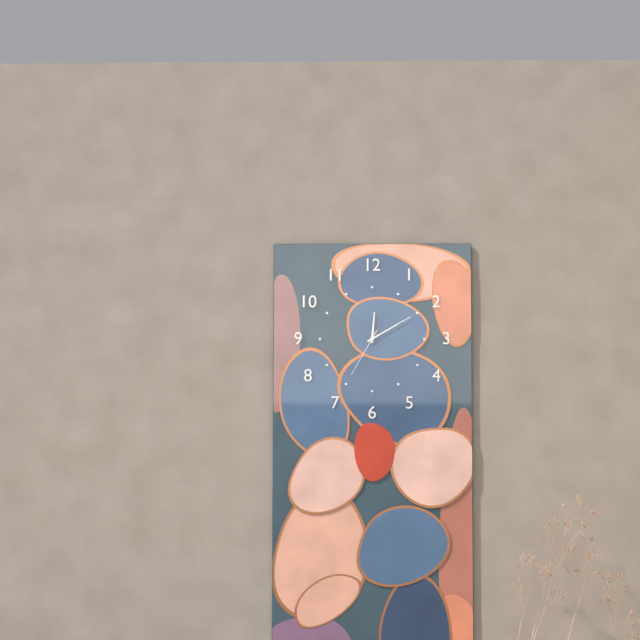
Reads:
12,10,35
